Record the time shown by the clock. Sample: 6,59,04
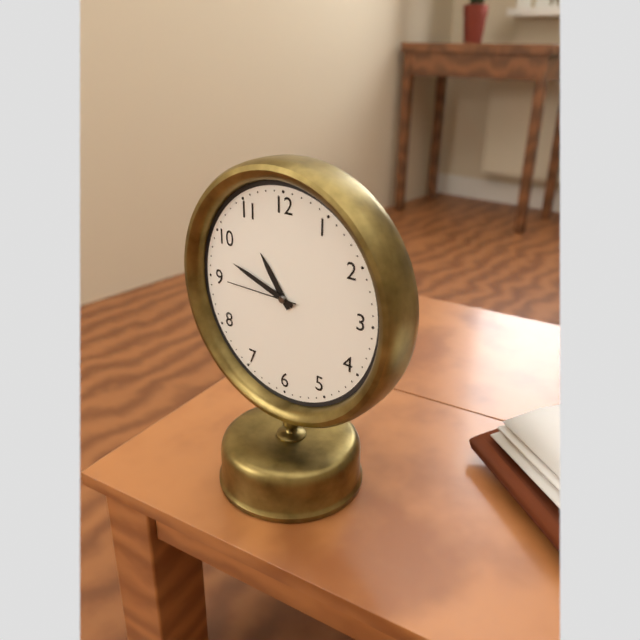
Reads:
10,48,45
